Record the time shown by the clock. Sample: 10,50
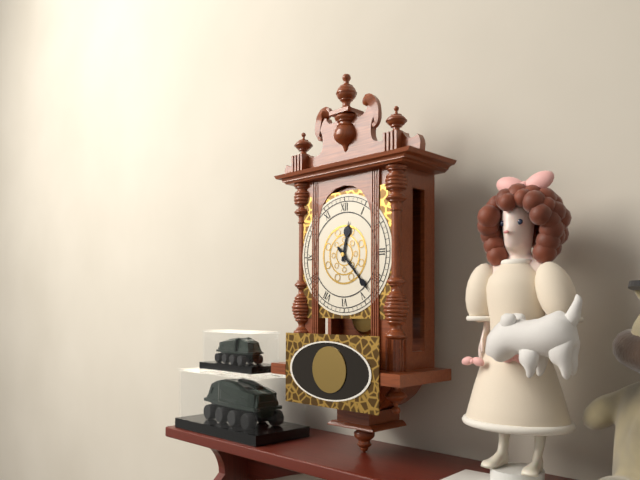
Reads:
12,23
